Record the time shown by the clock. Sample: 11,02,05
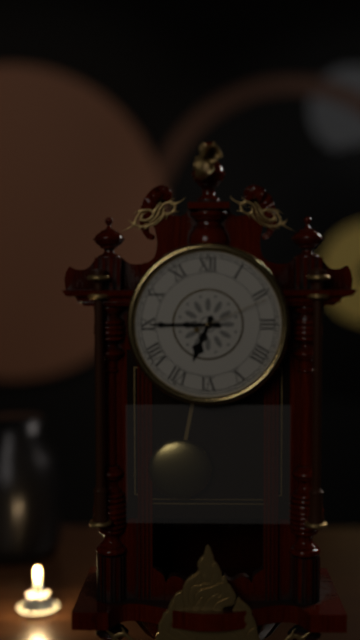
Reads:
6,45,11
